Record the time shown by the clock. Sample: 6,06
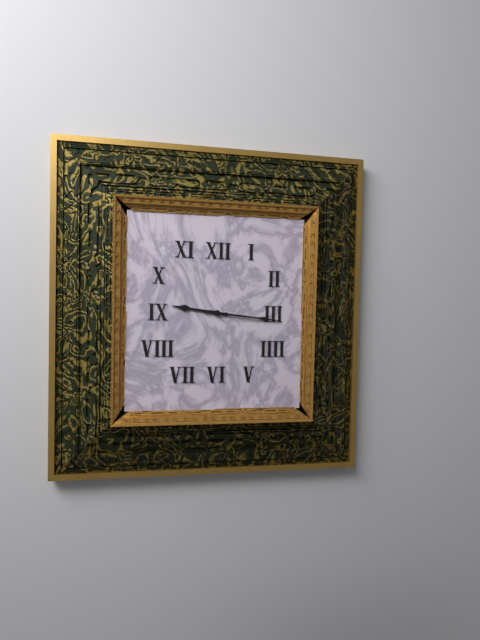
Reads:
9,16
